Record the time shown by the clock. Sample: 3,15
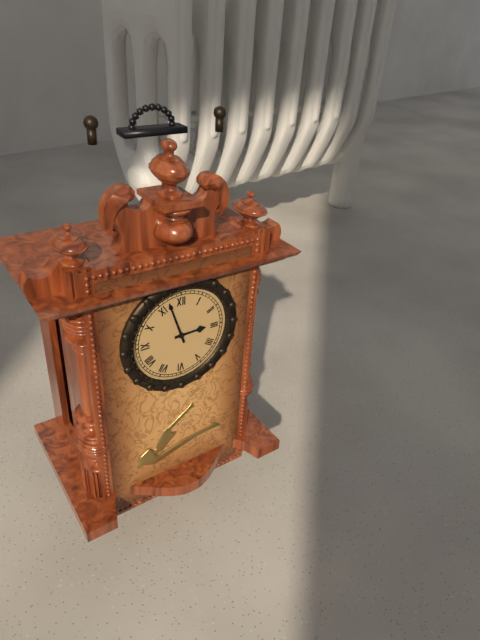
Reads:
2,57
